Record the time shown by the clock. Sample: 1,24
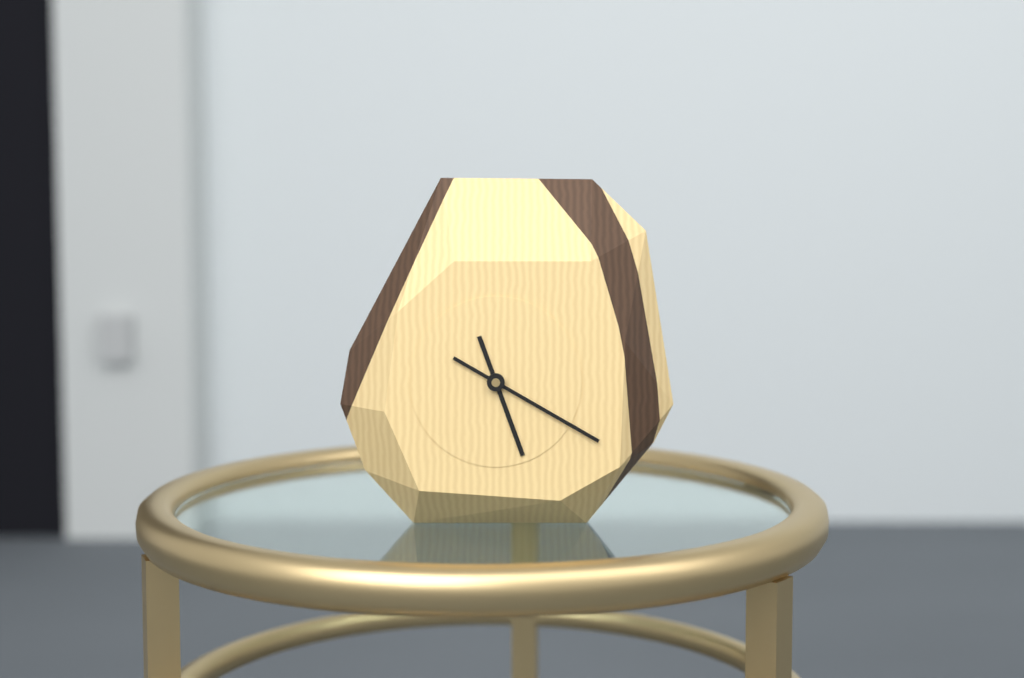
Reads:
5,20
